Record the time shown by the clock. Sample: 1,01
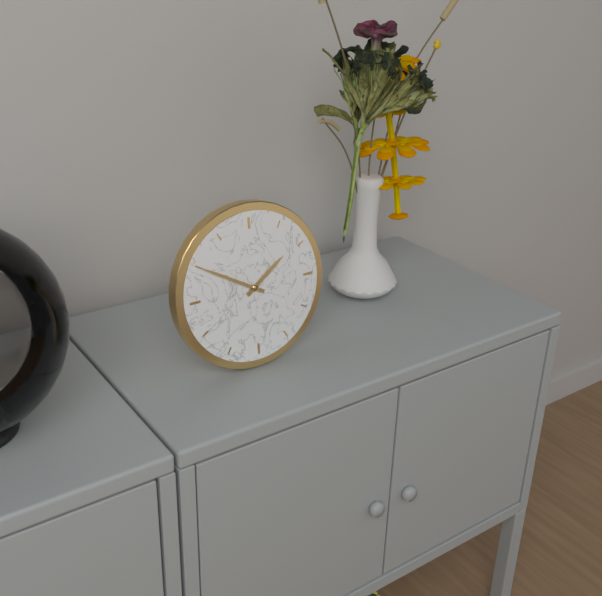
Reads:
1,50
